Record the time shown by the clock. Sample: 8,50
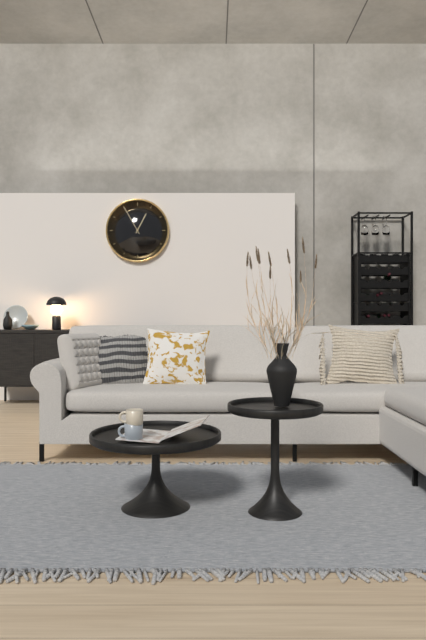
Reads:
12,55
